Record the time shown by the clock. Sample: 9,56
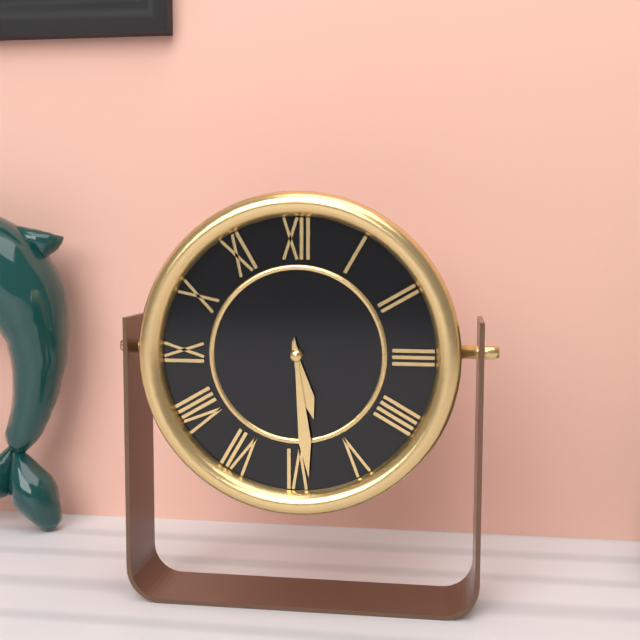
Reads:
5,29
